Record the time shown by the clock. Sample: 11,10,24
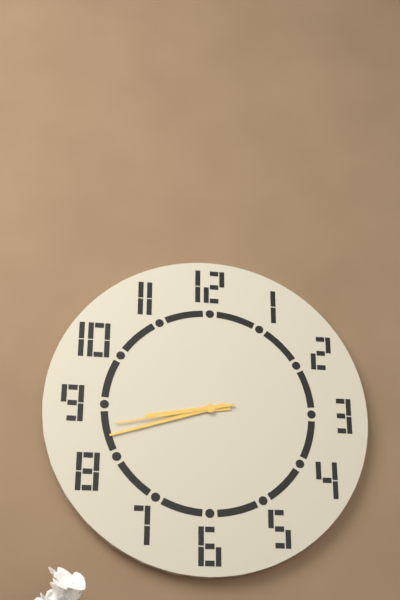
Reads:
8,42,43
